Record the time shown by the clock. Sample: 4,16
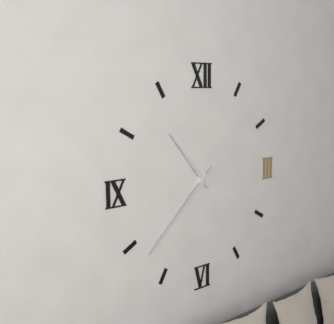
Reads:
10,38
